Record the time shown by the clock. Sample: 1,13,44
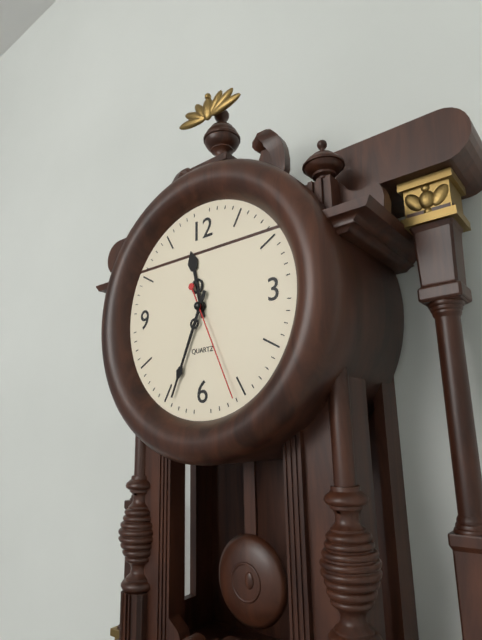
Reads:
11,34,26
